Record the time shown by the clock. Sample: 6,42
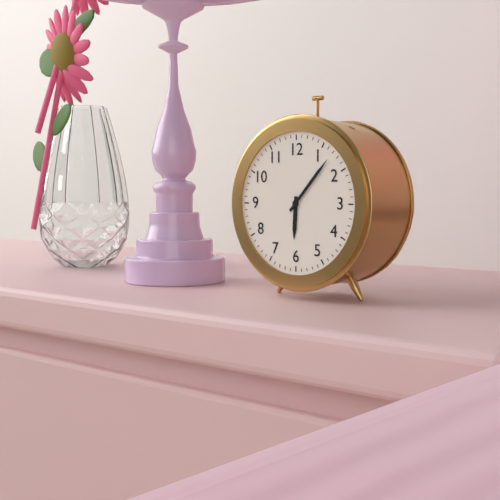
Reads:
6,07
